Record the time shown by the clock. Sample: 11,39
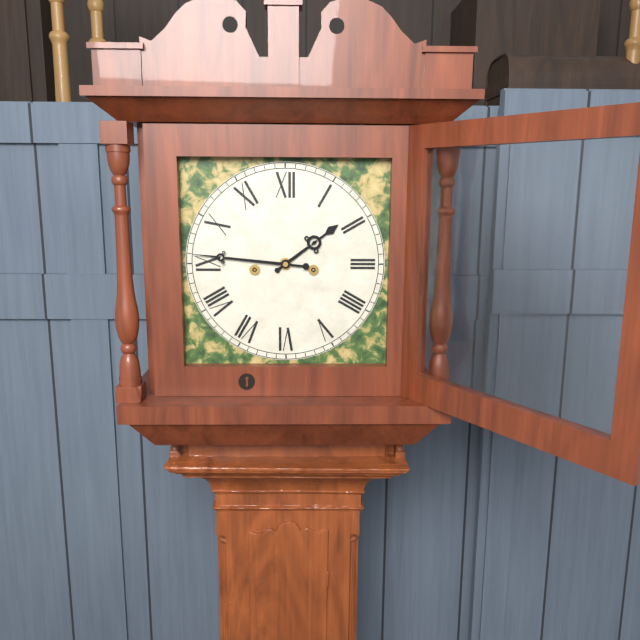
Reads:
1,46
